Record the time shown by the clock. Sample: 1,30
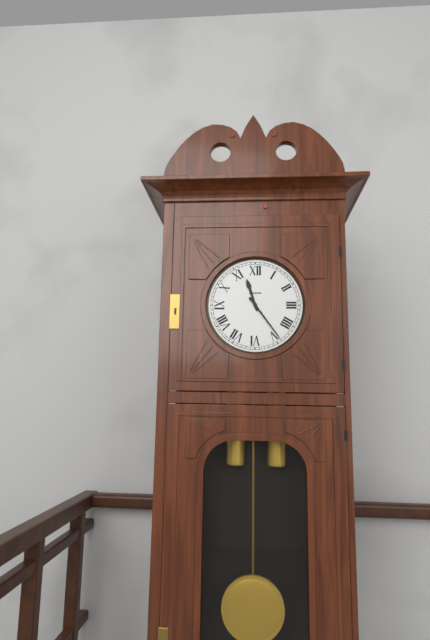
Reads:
11,24
